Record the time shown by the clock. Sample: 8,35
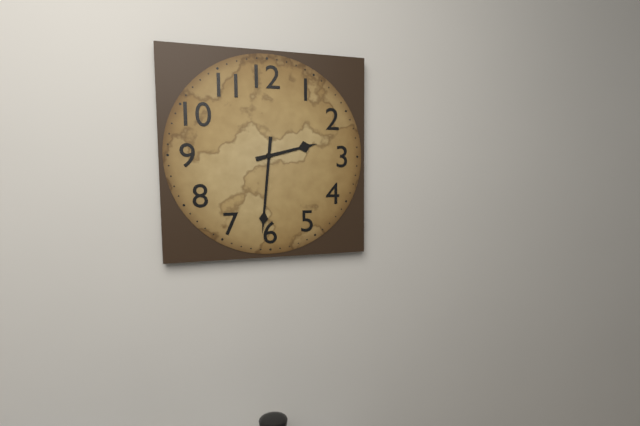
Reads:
2,31
